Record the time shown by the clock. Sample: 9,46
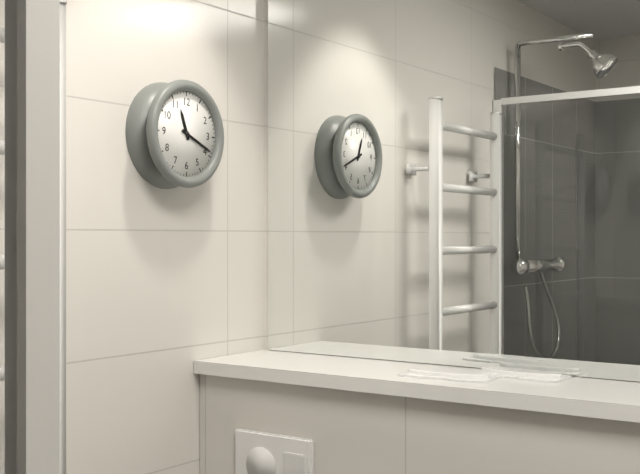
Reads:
11,19
